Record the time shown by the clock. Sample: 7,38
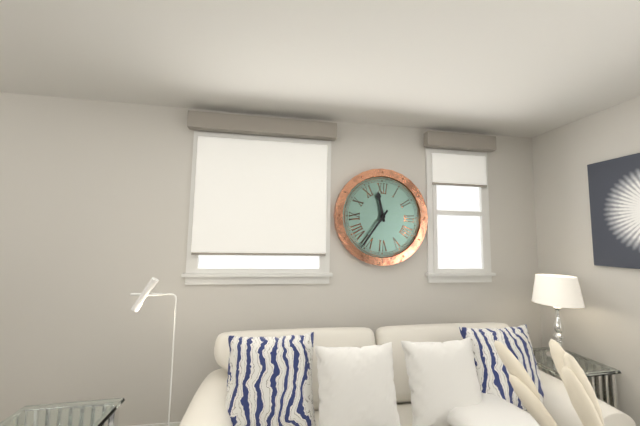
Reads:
11,36
